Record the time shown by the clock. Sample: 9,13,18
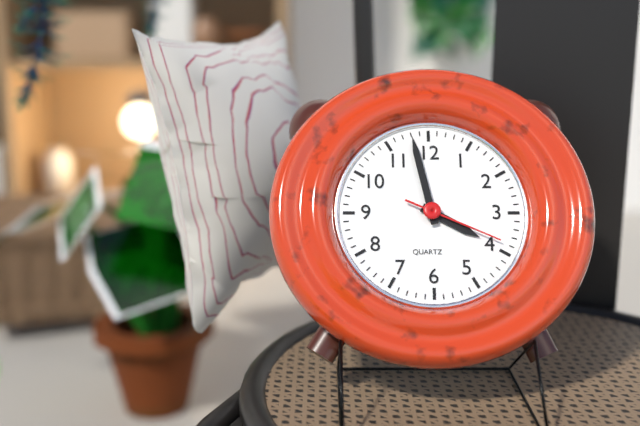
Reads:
3,58,19
